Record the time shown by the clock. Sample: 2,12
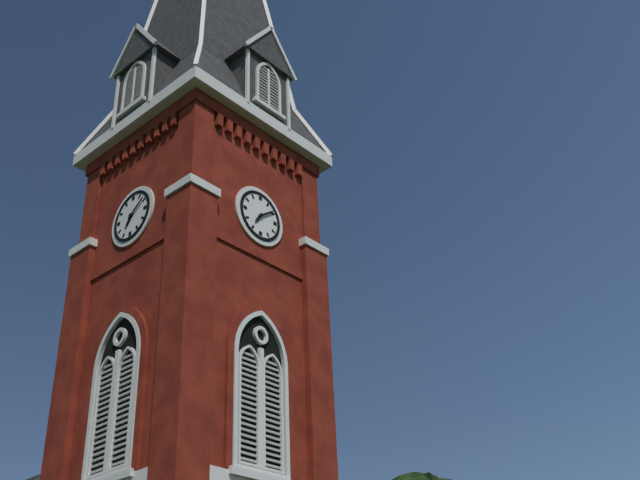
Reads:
7,09
